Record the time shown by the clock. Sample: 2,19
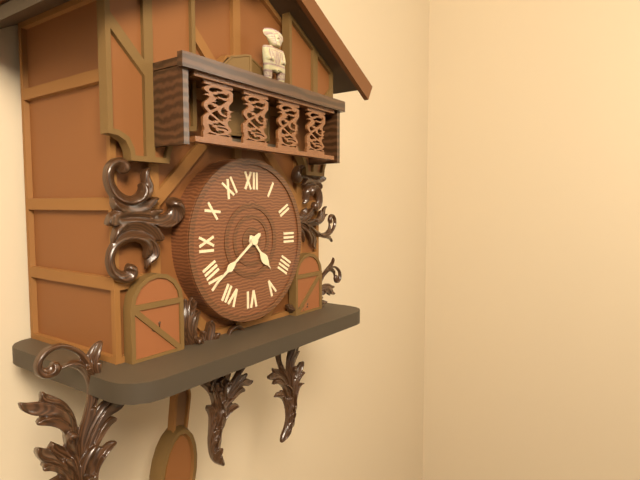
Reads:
4,39
